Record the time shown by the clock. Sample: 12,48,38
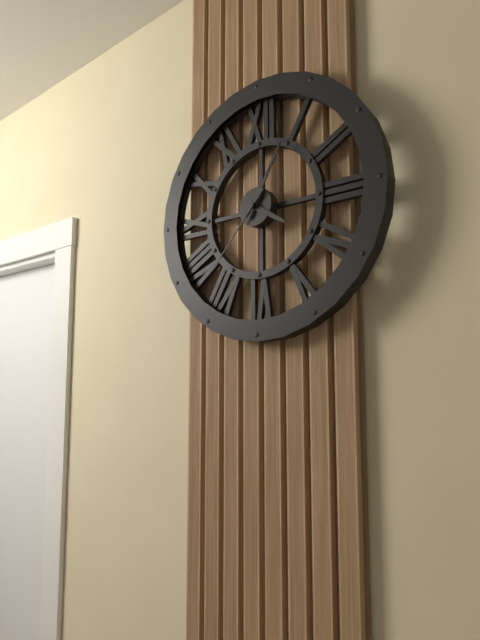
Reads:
4,05,37
